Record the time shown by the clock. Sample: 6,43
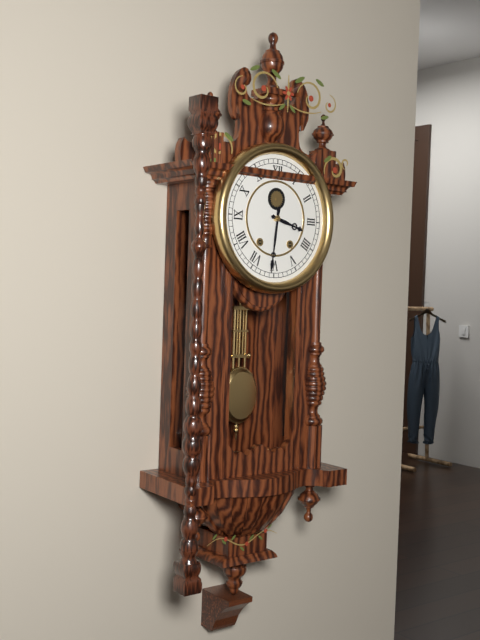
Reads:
3,31
